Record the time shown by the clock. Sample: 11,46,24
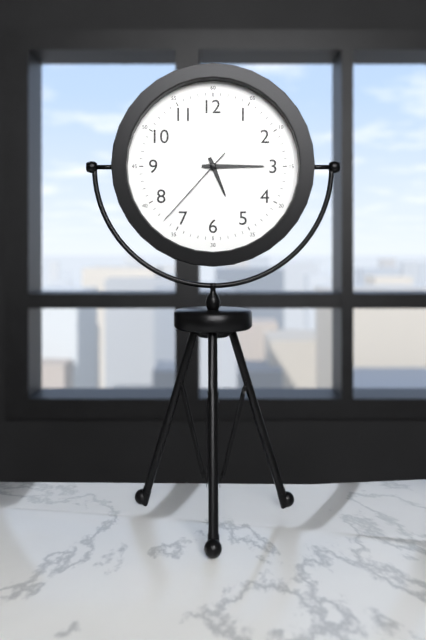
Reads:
5,15,37
